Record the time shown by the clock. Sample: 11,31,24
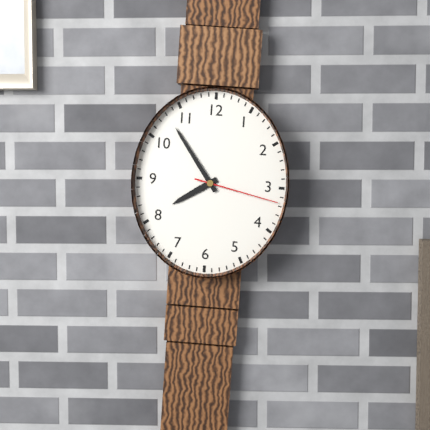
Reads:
7,54,17
